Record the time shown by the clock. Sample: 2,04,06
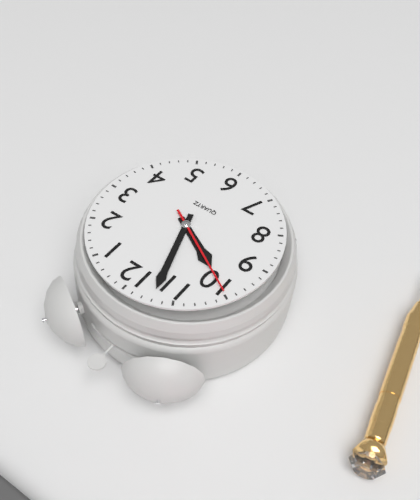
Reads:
9,57,50
